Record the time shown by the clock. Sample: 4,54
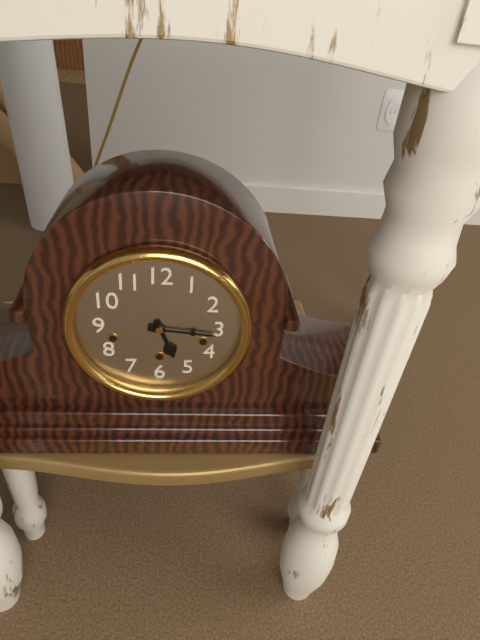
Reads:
5,16
